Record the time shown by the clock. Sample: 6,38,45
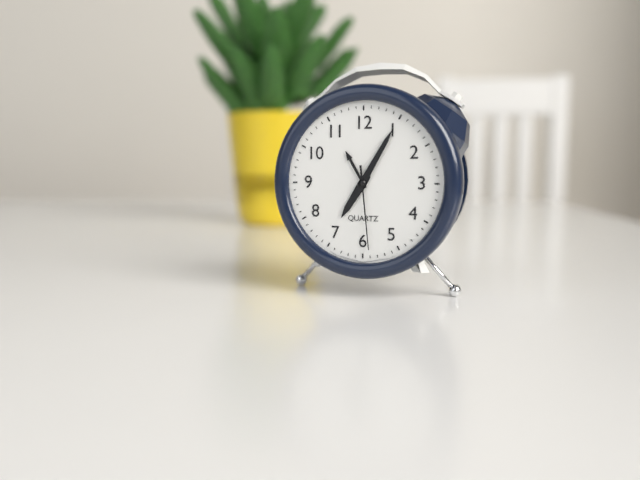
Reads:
7,05,29
